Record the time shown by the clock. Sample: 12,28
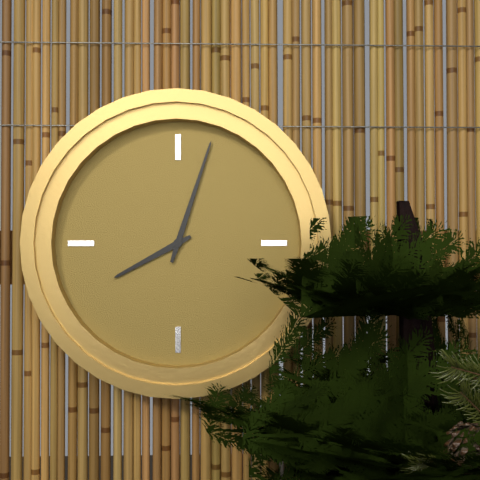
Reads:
8,03
